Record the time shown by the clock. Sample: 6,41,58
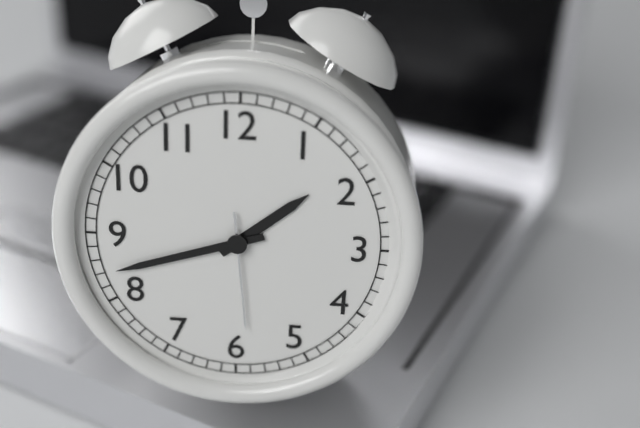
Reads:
1,42,29
